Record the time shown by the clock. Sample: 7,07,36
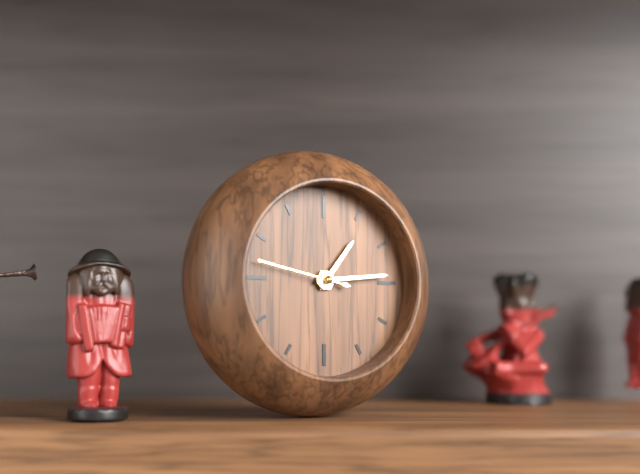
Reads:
1,14,47
